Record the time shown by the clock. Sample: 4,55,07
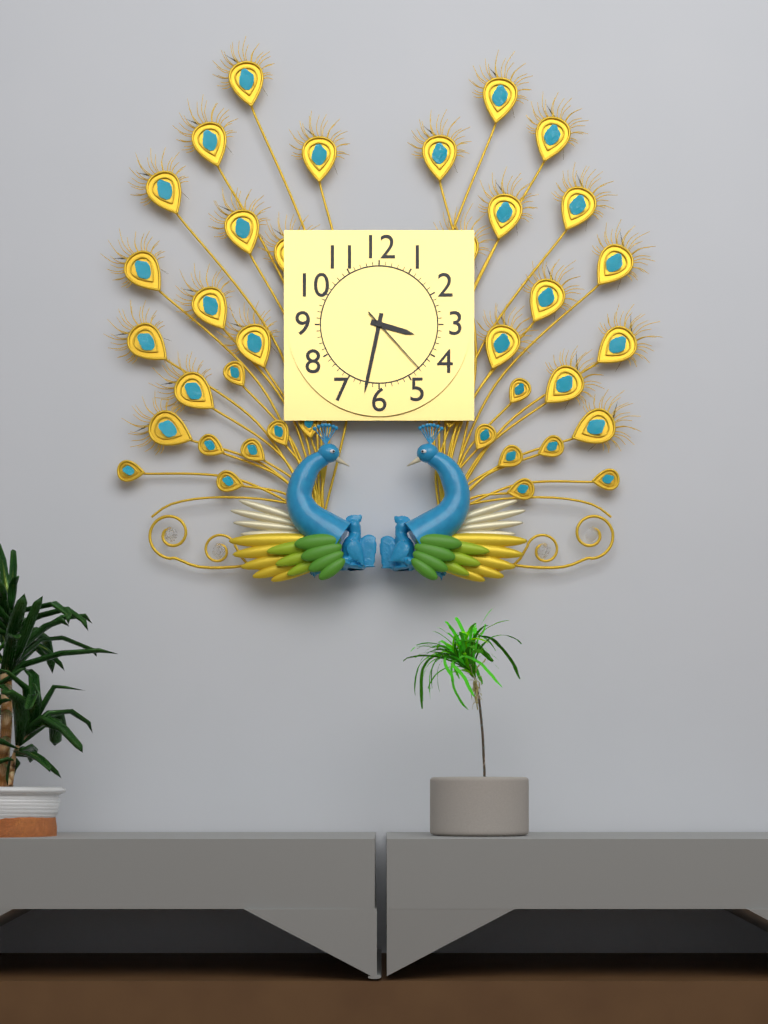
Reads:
3,32,23
